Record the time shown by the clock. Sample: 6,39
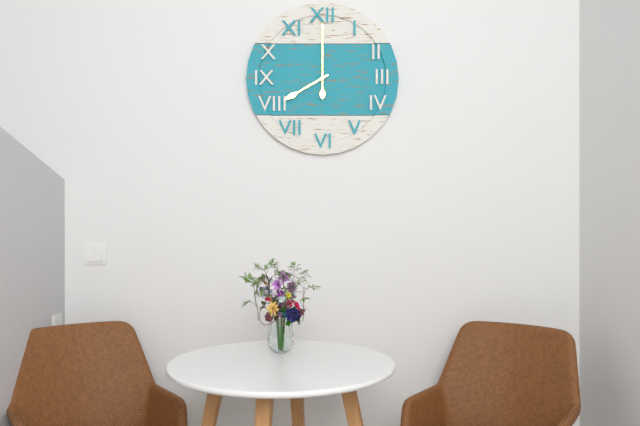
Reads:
8,00
